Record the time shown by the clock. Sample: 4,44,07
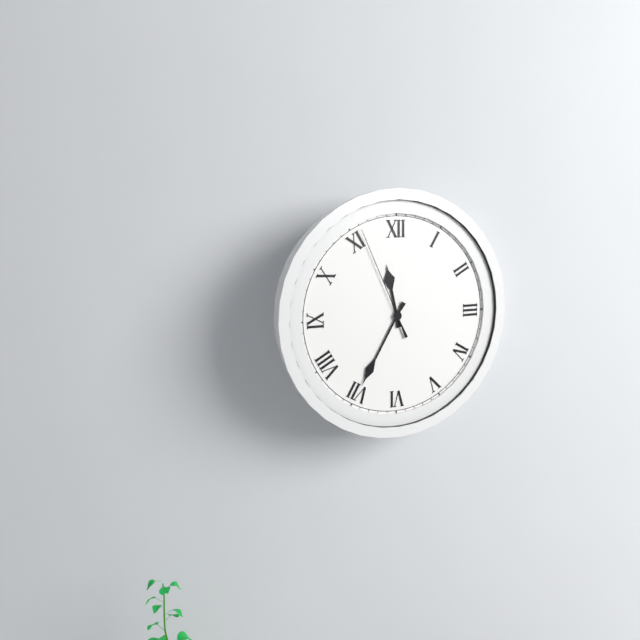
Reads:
11,35,56
